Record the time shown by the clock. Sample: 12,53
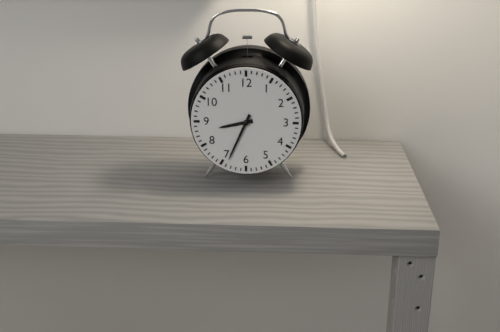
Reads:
8,34
